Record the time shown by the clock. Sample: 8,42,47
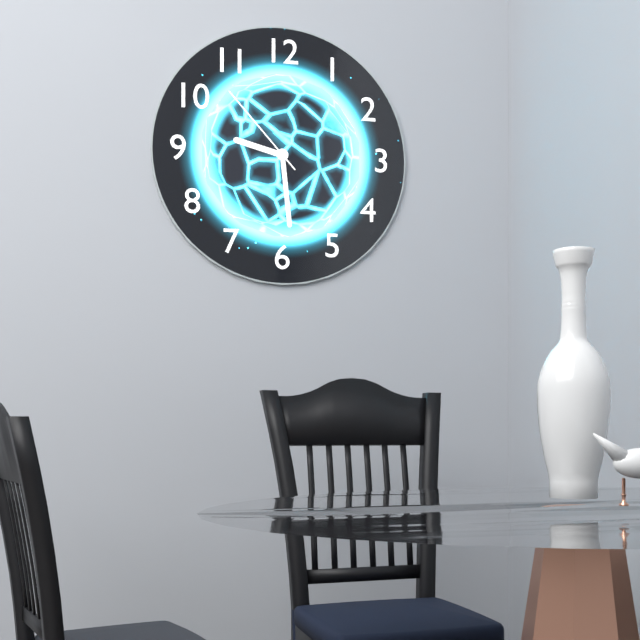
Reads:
9,29,53
